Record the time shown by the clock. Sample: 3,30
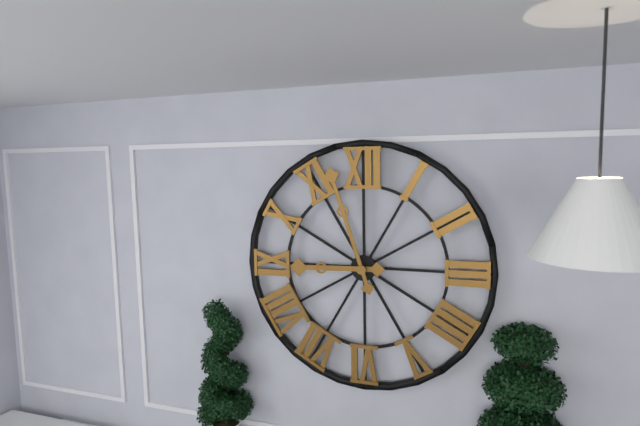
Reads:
8,57
